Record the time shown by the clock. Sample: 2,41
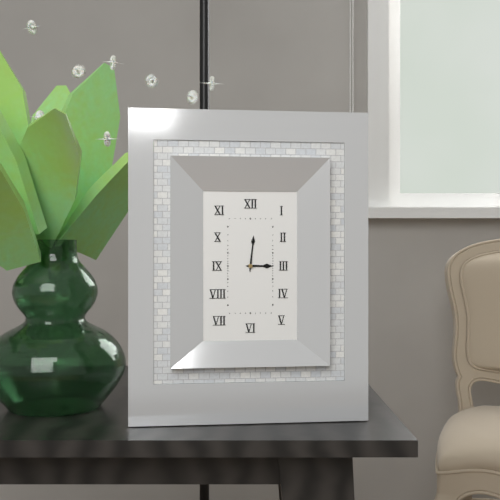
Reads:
3,01
